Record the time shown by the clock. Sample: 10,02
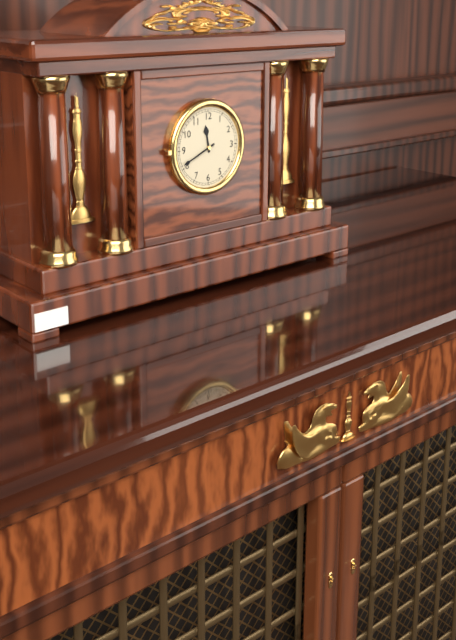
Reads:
11,41
